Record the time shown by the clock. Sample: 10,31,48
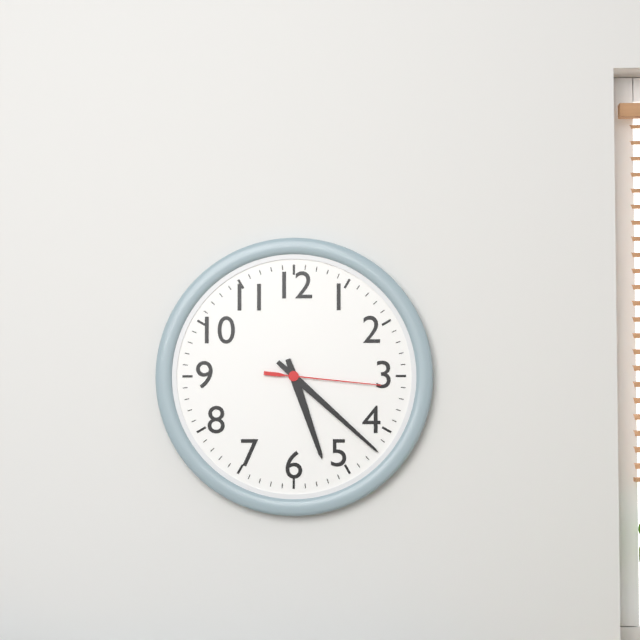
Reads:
5,22,16
